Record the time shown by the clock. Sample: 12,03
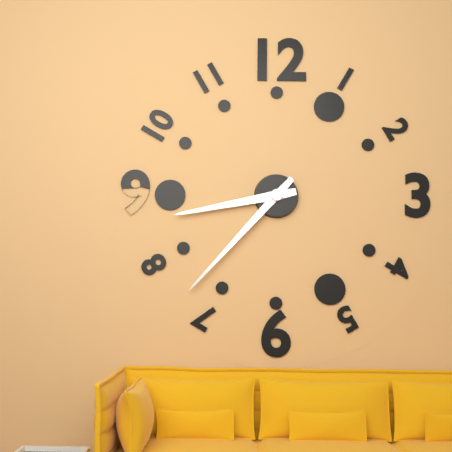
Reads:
8,37
